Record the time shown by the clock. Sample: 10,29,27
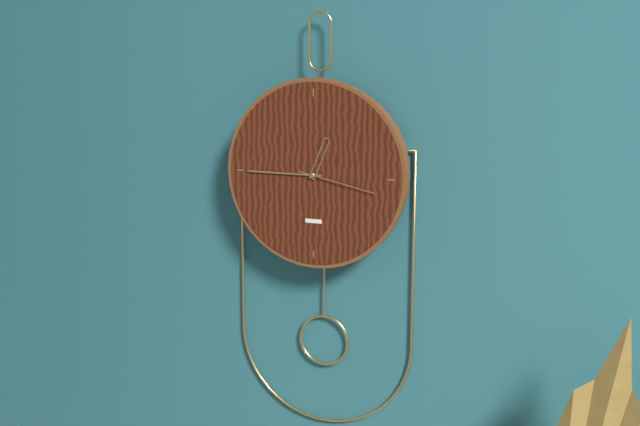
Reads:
12,45,17
